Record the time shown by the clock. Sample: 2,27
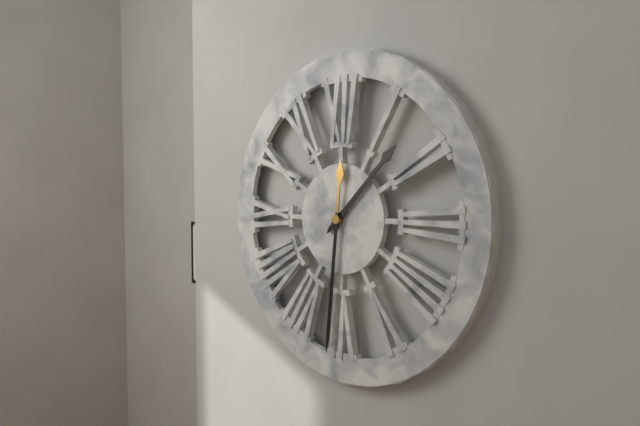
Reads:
1,31
